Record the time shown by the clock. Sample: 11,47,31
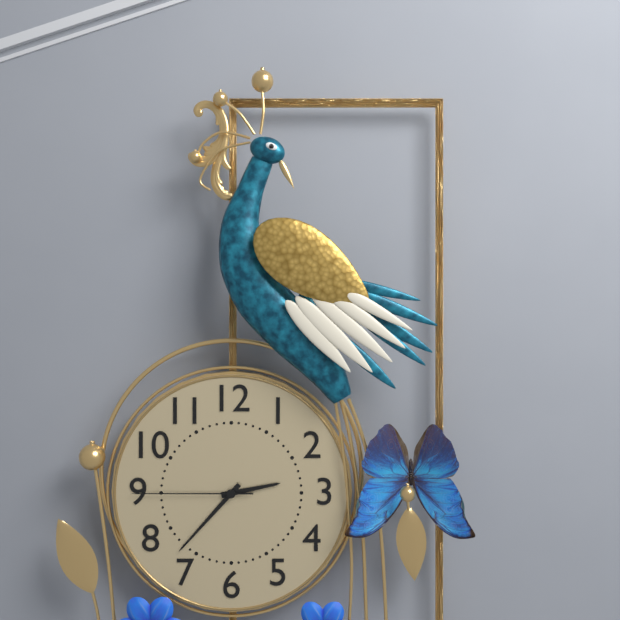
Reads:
2,37,45
